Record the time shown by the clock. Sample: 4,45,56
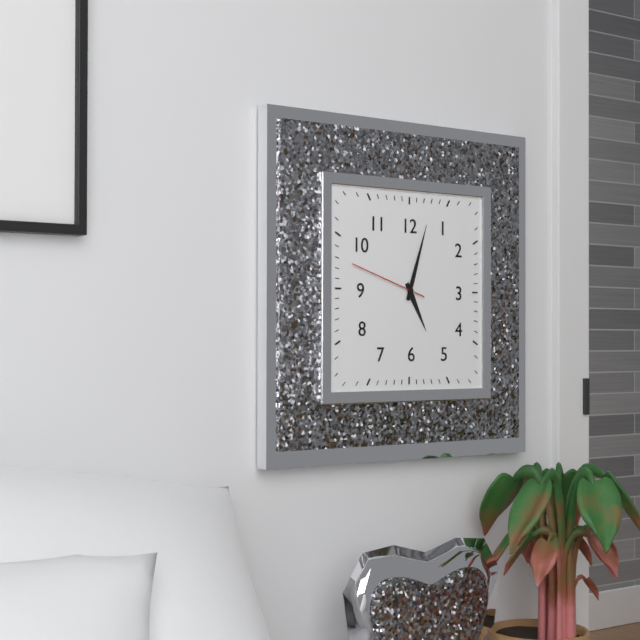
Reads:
5,03,48
